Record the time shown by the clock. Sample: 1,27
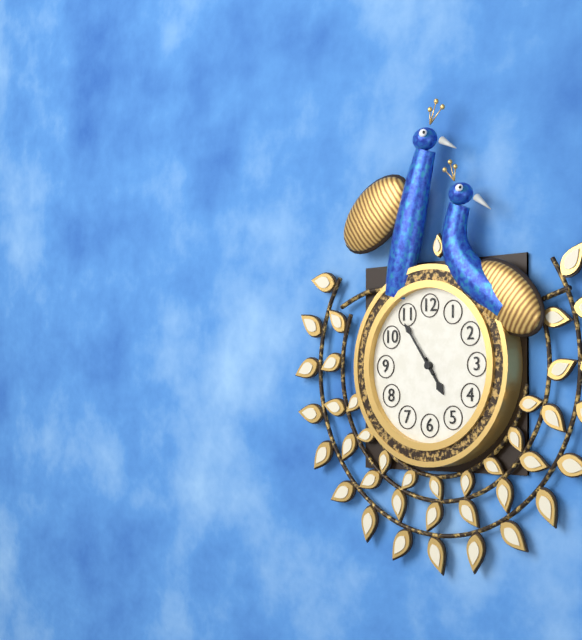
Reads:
4,54
